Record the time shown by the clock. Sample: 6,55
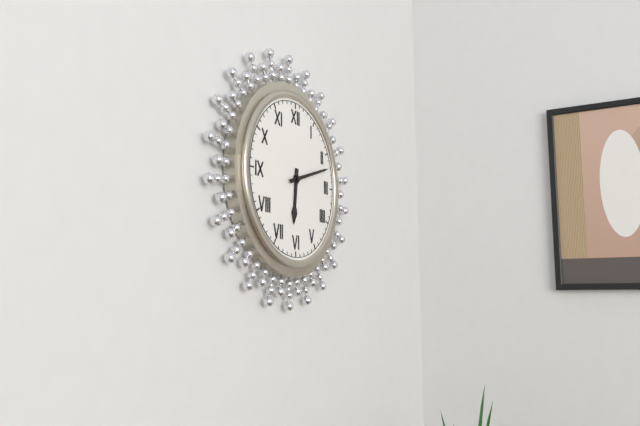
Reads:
6,12
